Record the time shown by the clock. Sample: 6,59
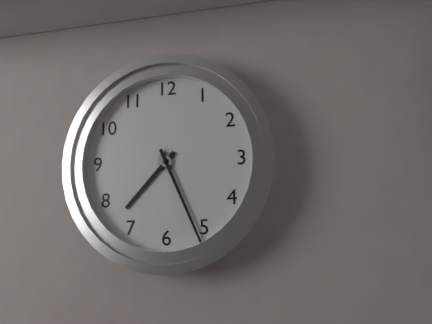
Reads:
7,26
